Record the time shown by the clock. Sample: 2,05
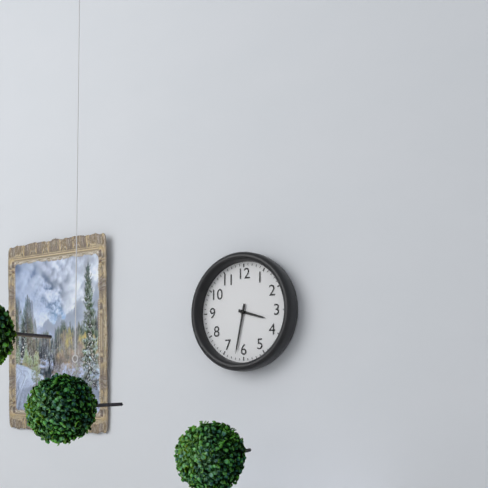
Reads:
3,32
